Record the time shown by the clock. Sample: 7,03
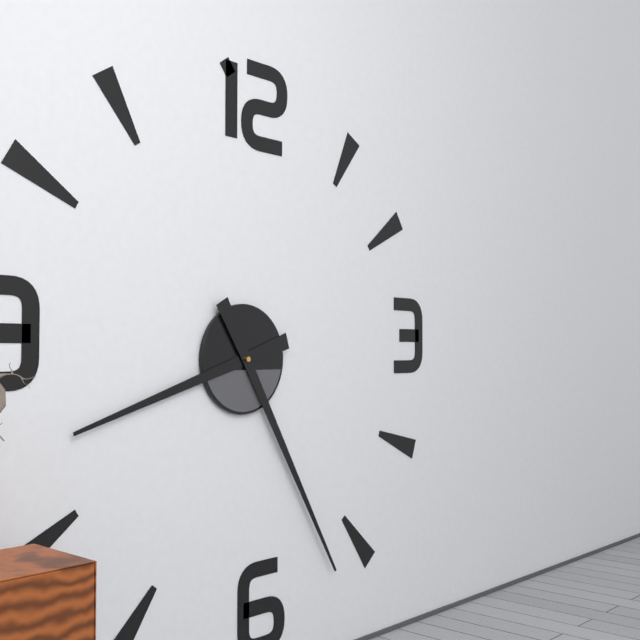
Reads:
8,25
